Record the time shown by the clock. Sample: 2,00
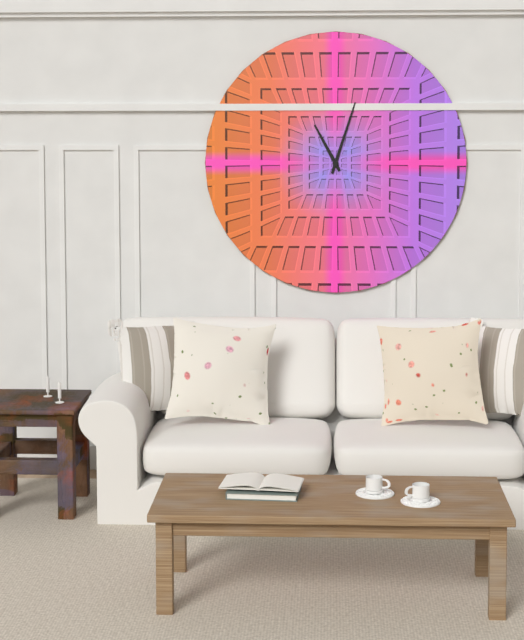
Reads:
11,03
